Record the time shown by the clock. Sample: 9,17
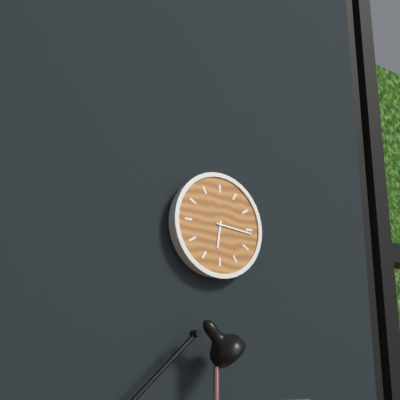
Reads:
6,16
